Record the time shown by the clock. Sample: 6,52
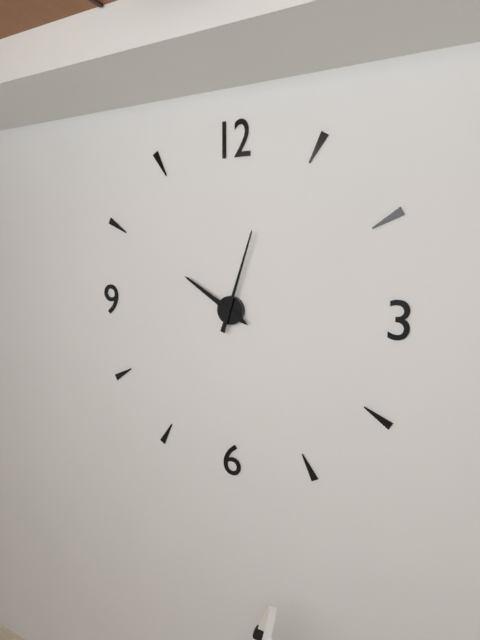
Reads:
10,03
